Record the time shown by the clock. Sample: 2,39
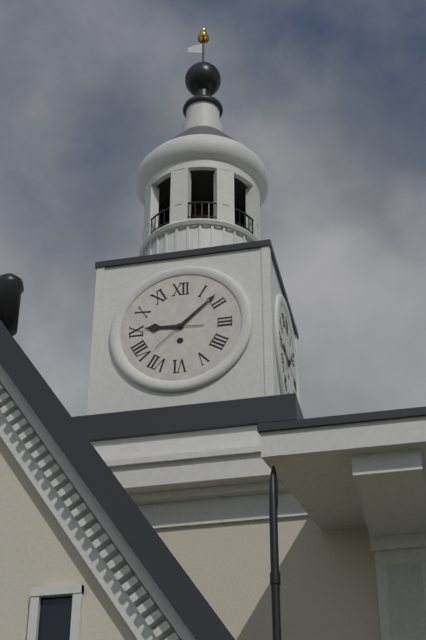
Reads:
9,08
